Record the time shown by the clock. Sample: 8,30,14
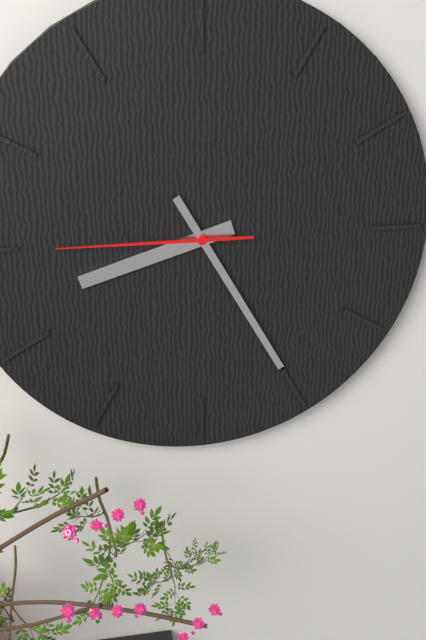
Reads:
8,25,45
